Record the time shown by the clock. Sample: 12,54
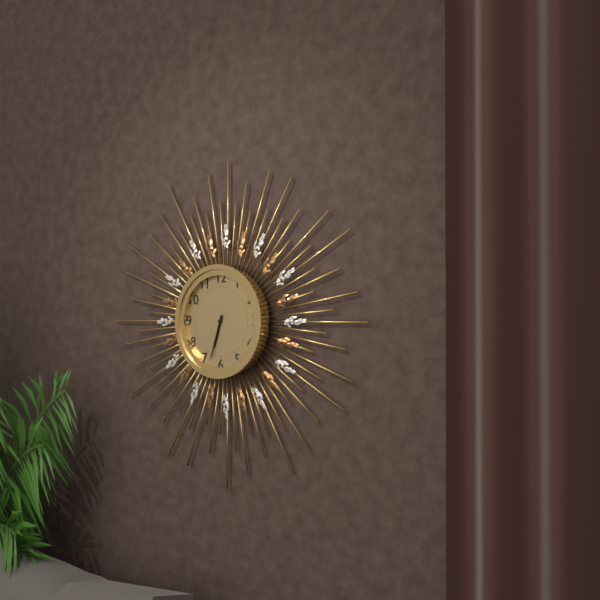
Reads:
6,33
